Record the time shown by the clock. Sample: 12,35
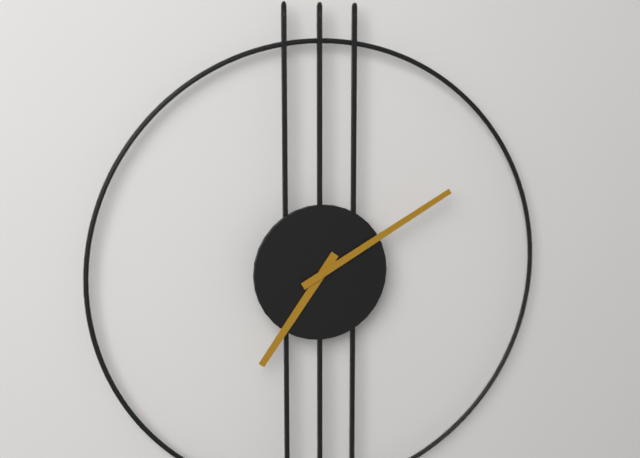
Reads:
7,10
